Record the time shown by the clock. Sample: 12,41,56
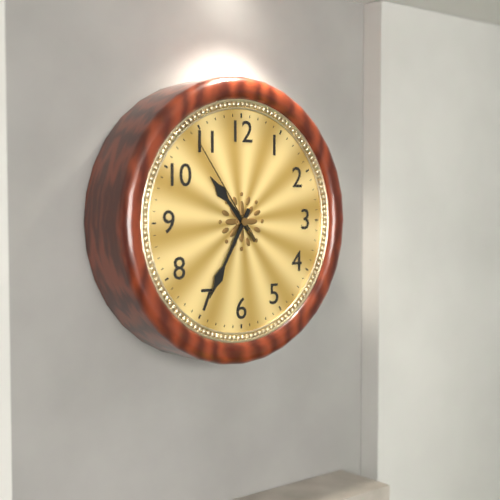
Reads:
10,35,54
